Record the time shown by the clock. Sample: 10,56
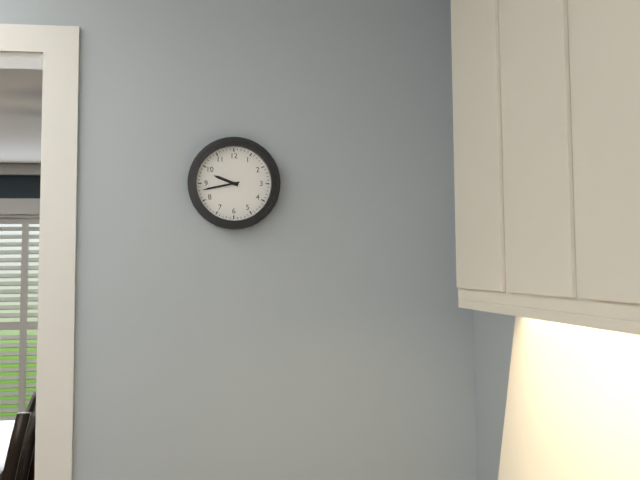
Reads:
9,43
